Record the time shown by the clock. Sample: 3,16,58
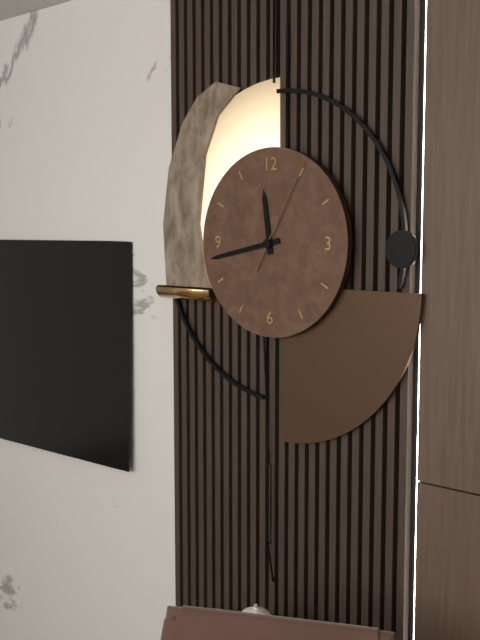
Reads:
11,43,05
